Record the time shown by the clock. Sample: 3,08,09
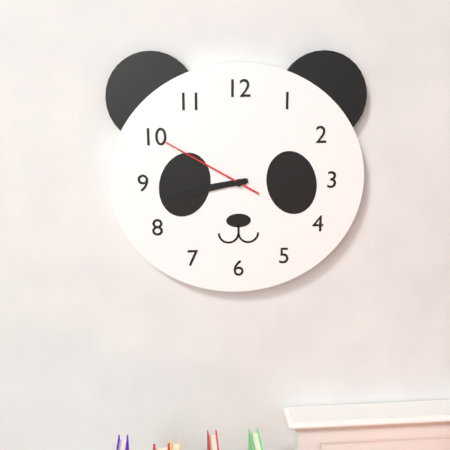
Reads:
8,43,50
